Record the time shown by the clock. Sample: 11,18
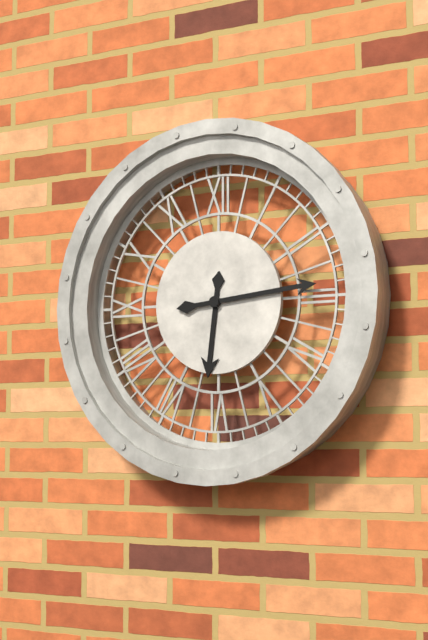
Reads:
6,14
